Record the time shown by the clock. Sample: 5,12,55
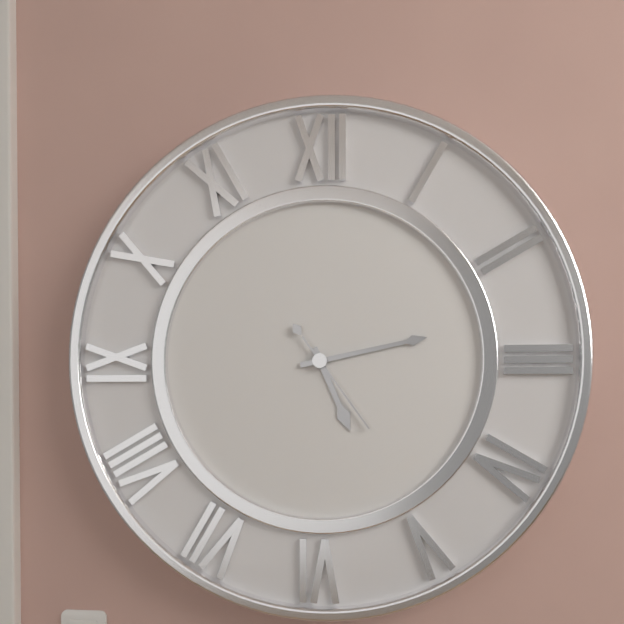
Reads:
5,13,24
